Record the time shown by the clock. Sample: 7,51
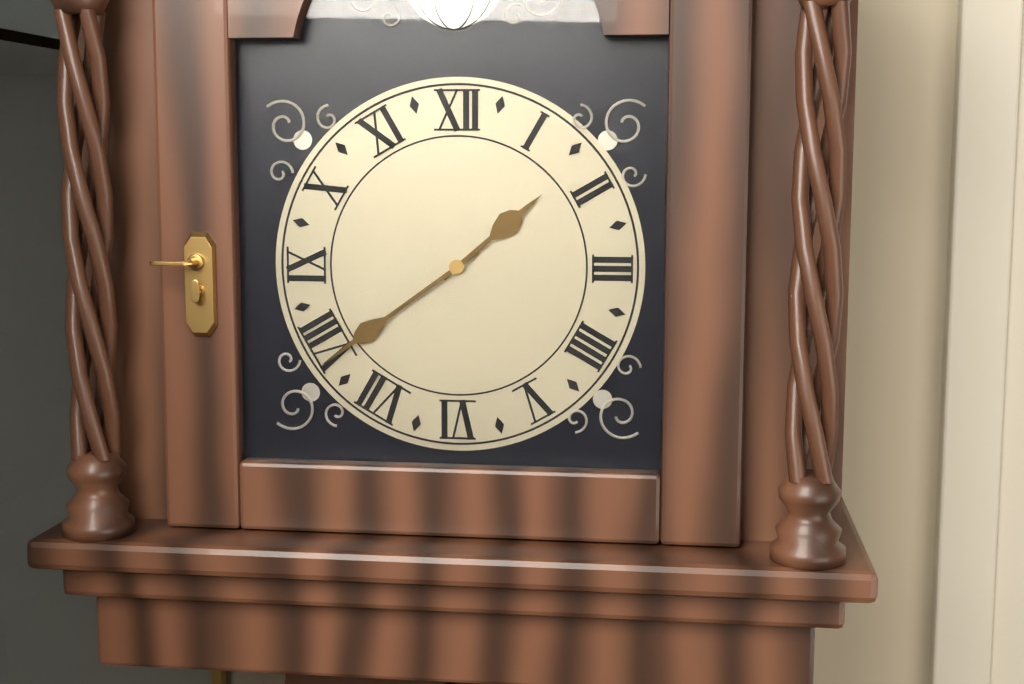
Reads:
1,39
